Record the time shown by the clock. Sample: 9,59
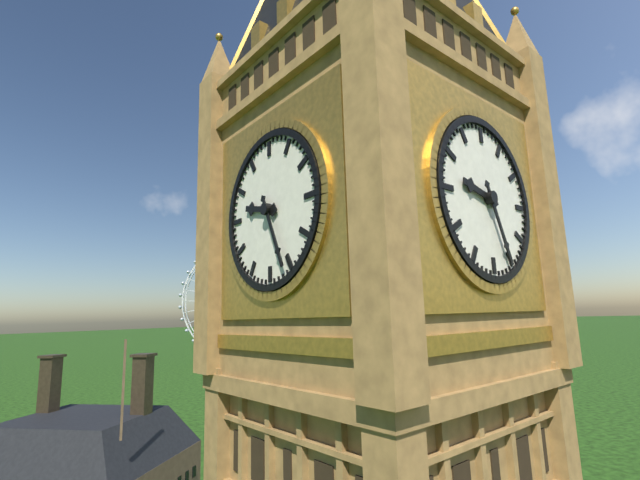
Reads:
9,26
